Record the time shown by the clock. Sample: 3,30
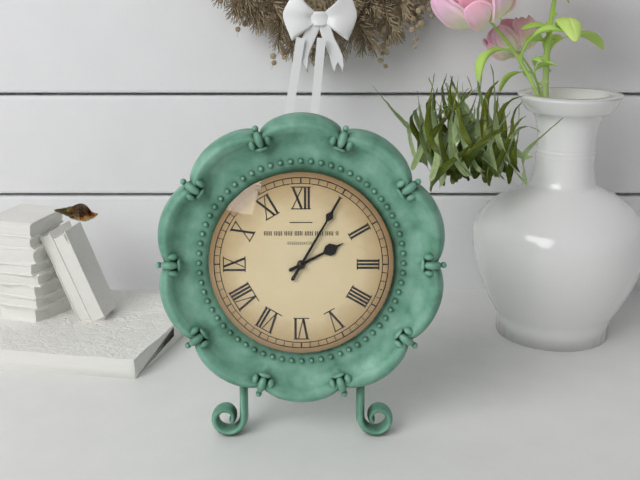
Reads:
2,05
